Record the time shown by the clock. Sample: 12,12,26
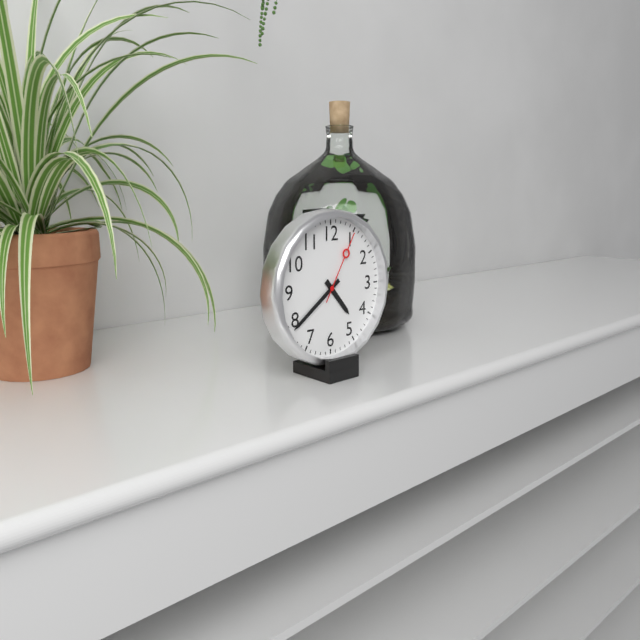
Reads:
4,39,05
